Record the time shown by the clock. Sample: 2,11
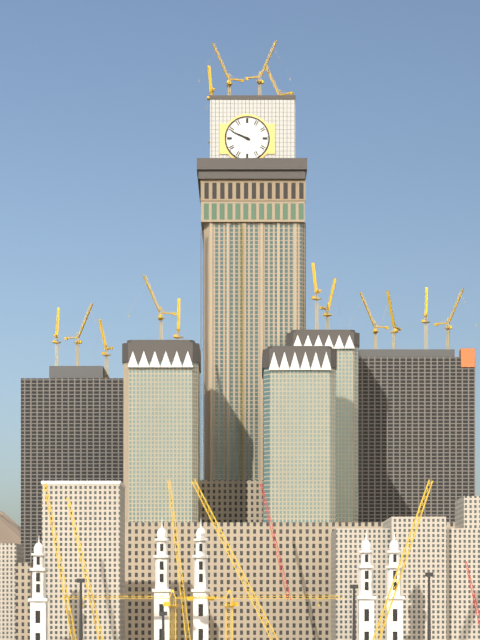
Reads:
9,49
